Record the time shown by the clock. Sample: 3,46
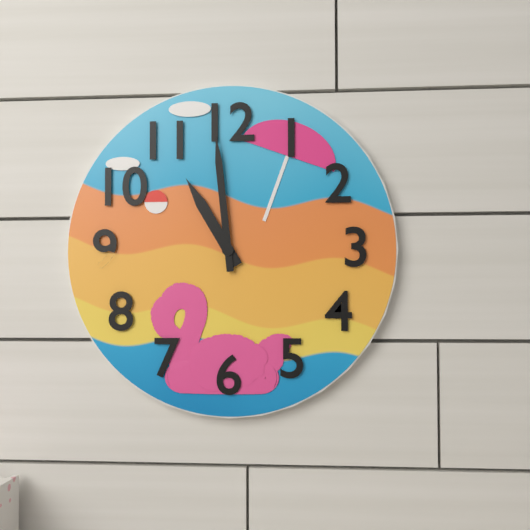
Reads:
10,59
